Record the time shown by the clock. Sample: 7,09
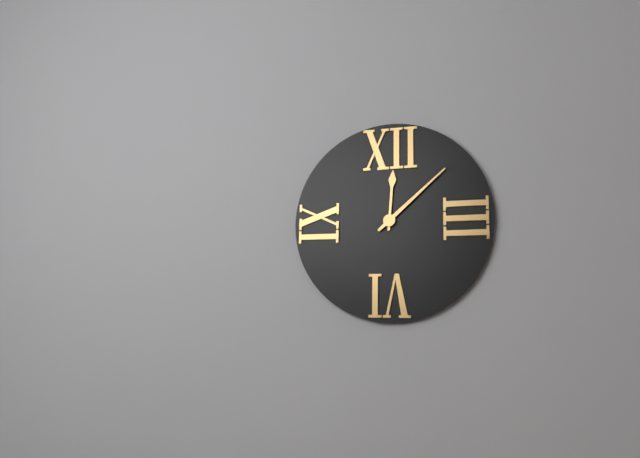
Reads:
12,08
